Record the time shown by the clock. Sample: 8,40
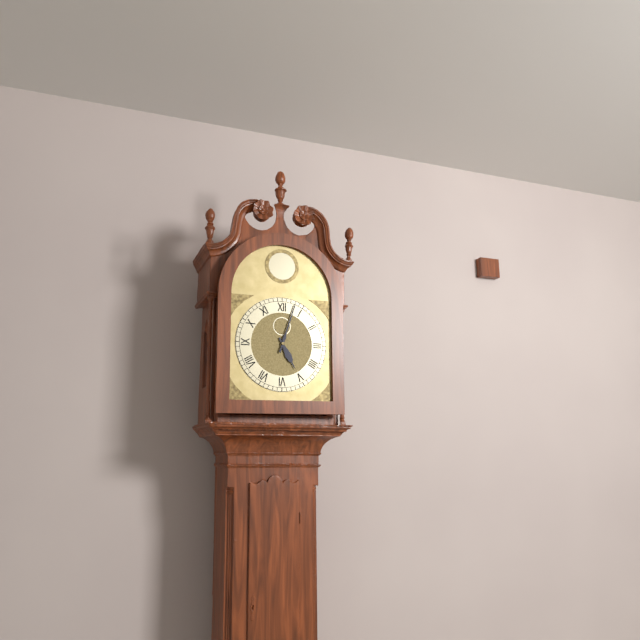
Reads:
5,03
